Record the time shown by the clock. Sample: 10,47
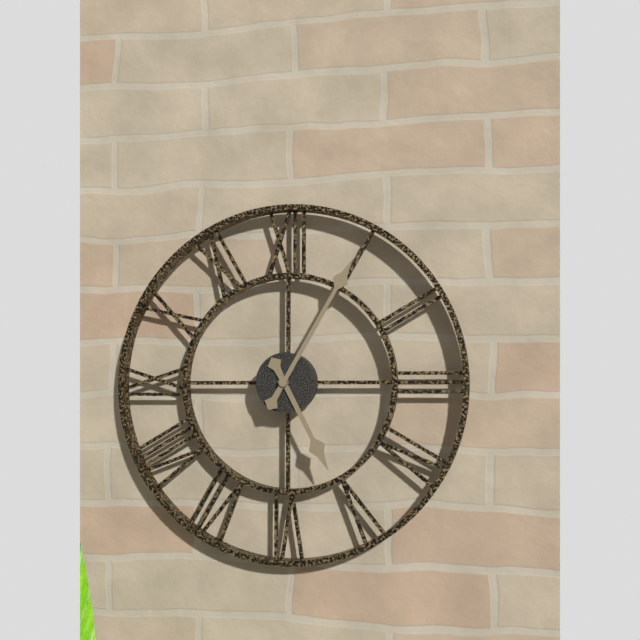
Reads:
5,05
